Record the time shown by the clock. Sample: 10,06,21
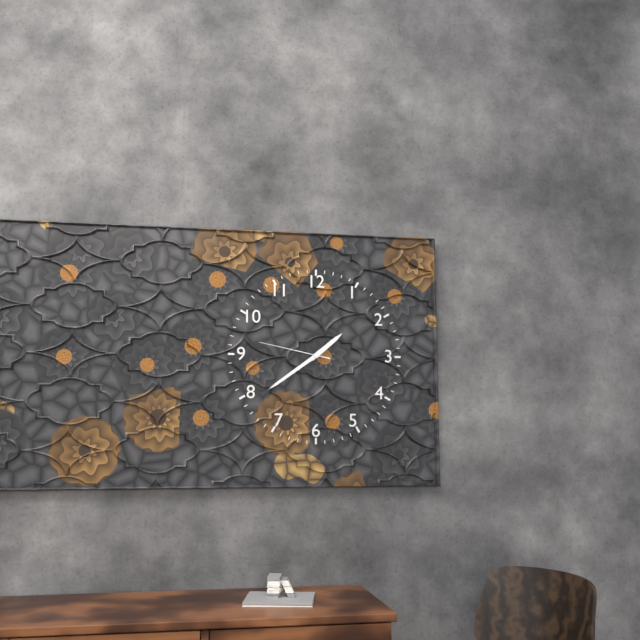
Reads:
1,39,47
